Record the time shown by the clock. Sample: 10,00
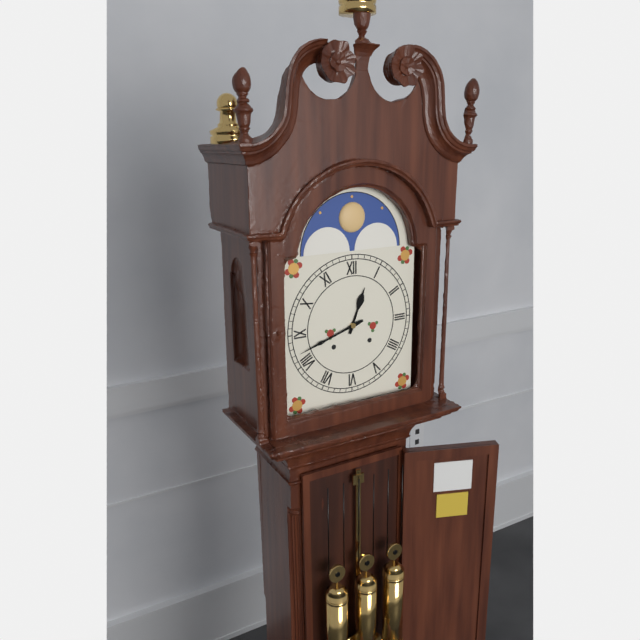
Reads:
12,42
